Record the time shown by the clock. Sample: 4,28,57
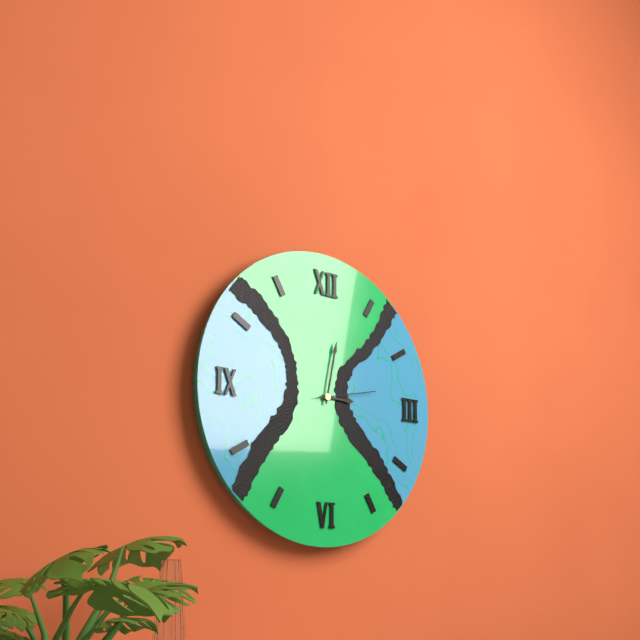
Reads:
3,02,13
